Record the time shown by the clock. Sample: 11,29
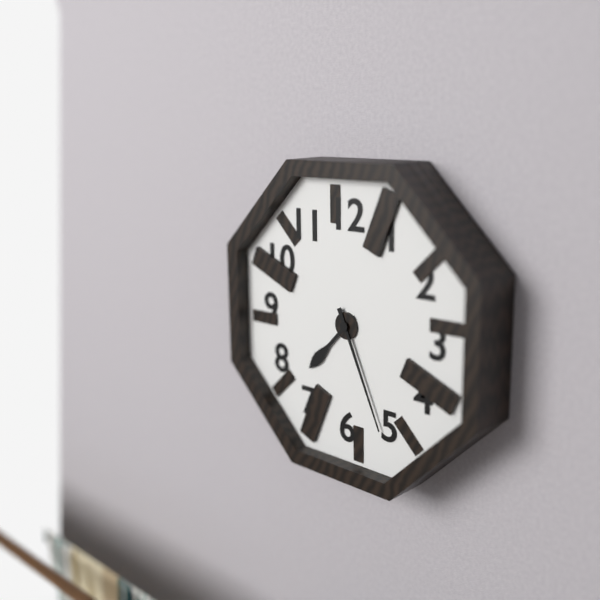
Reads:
7,26
